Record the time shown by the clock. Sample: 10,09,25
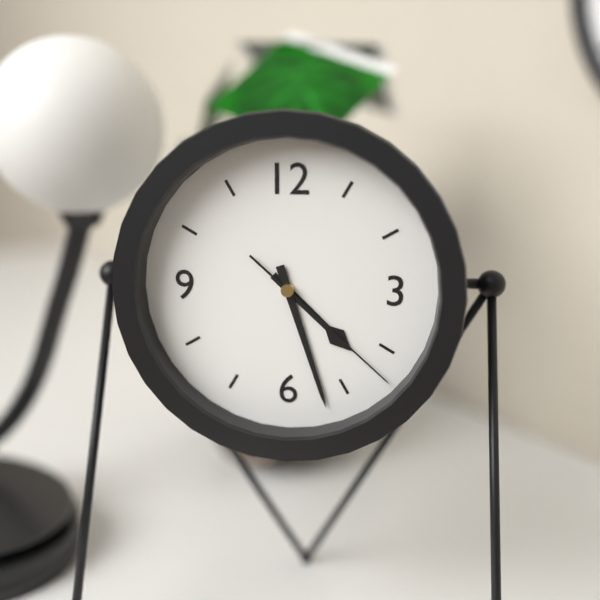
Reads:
4,27,22
